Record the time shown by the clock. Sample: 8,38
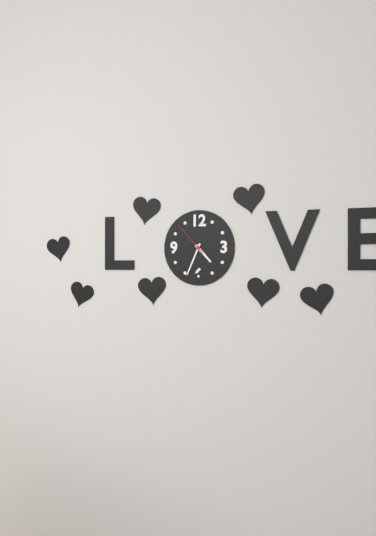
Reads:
4,34
